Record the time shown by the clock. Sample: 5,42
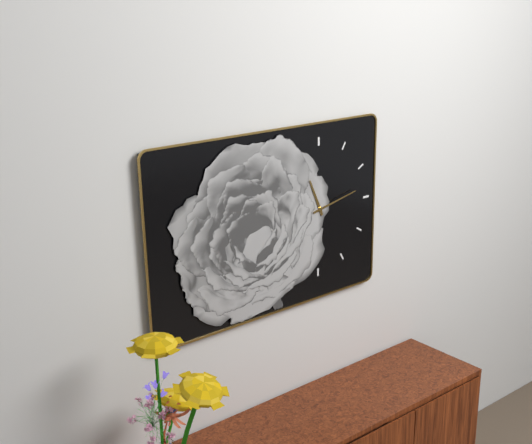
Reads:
11,13
